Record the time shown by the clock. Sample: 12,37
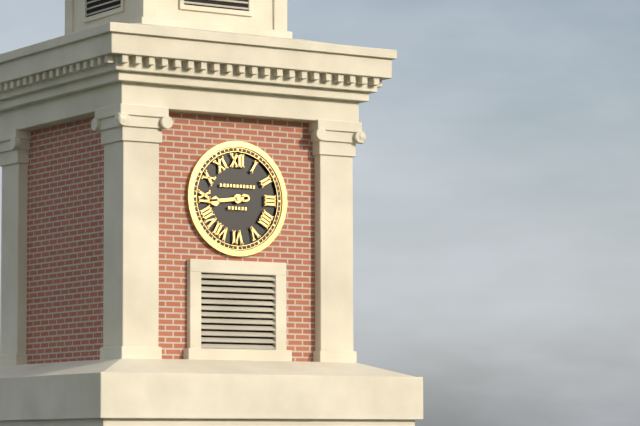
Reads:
8,44
